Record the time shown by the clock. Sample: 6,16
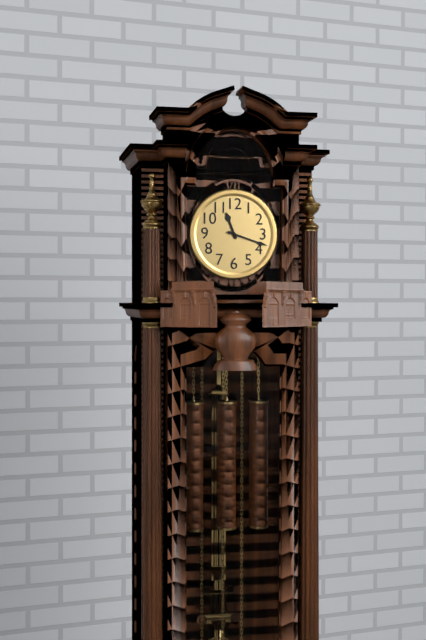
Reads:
11,18
